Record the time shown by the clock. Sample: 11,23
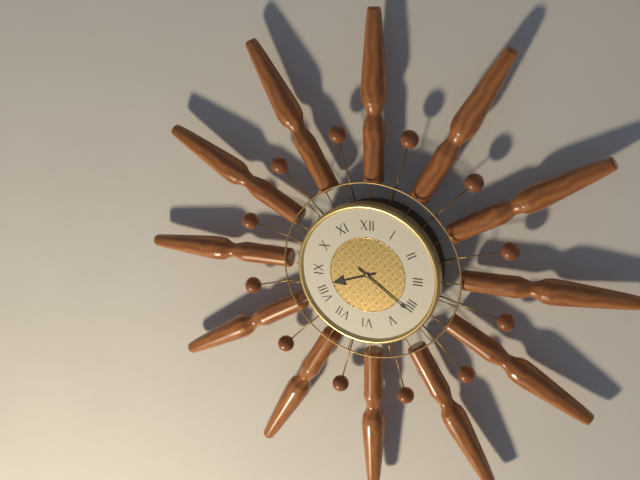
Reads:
8,21
